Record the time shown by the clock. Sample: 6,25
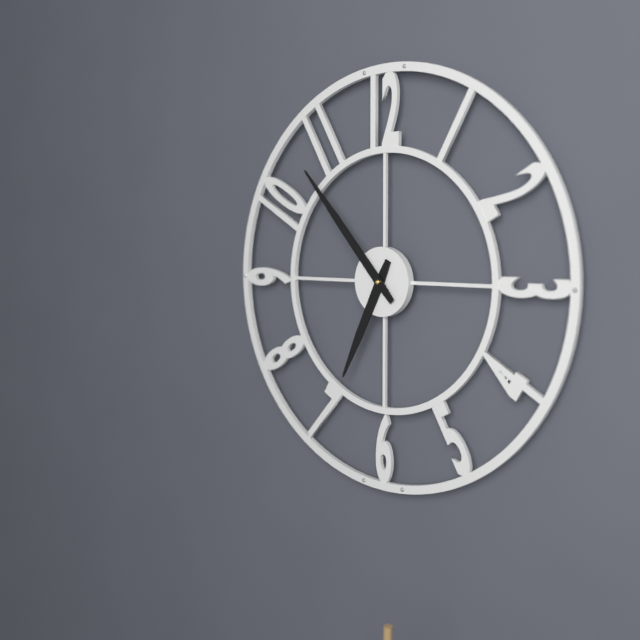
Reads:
6,53
